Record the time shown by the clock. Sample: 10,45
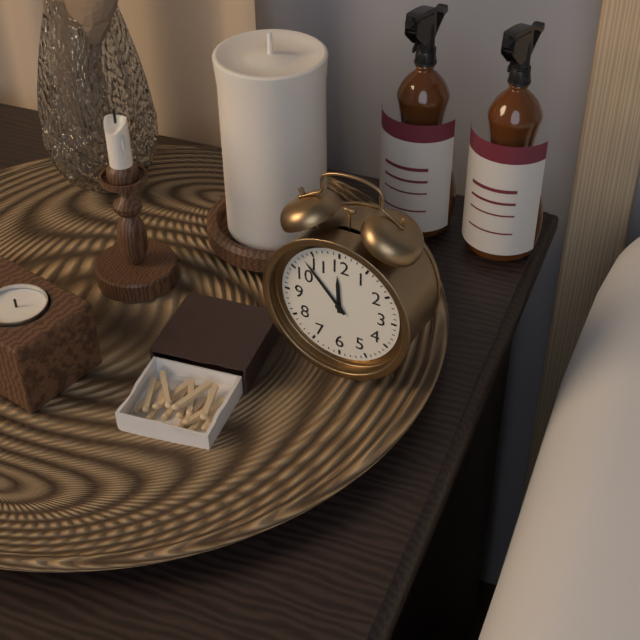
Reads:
11,53
